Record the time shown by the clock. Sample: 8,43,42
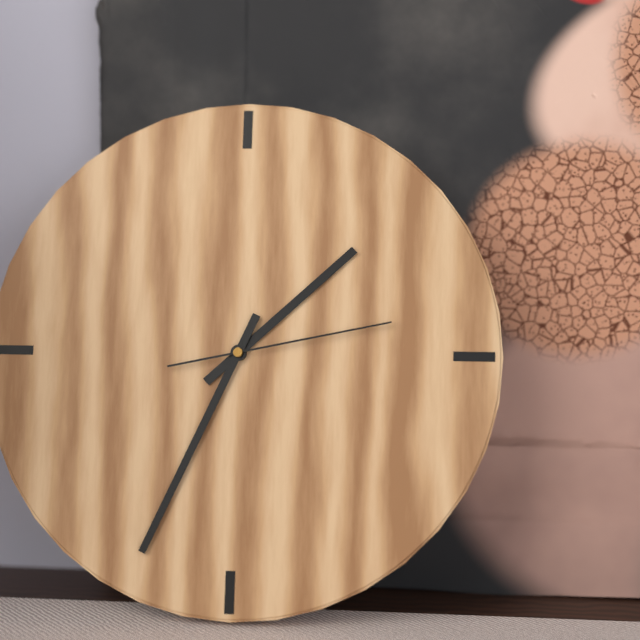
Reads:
1,34,13
